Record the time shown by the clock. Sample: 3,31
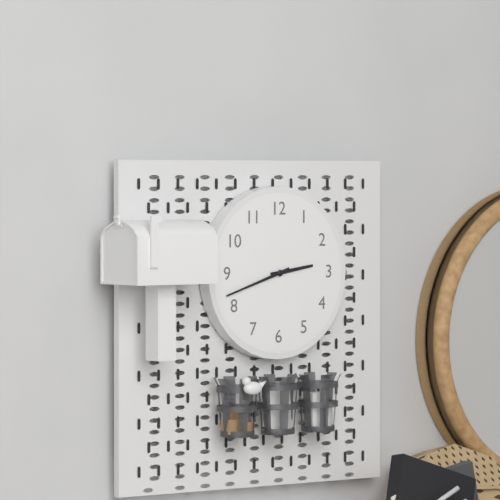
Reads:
2,42
